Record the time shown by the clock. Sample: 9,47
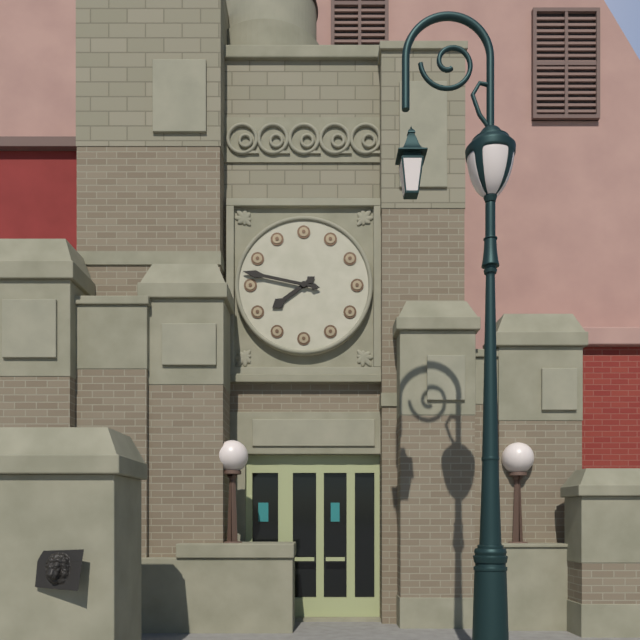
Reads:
7,47
